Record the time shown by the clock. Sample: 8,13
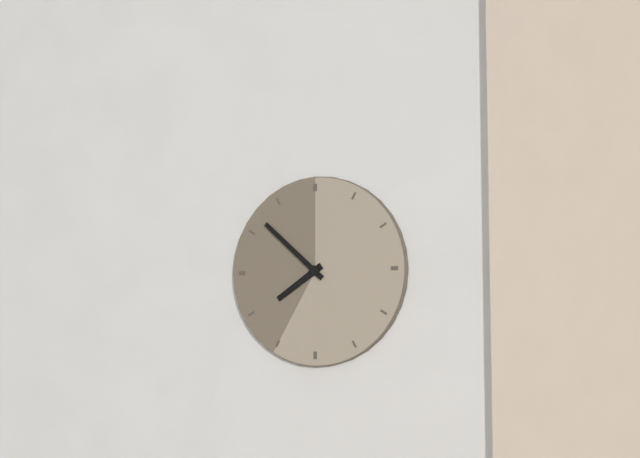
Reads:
7,52
